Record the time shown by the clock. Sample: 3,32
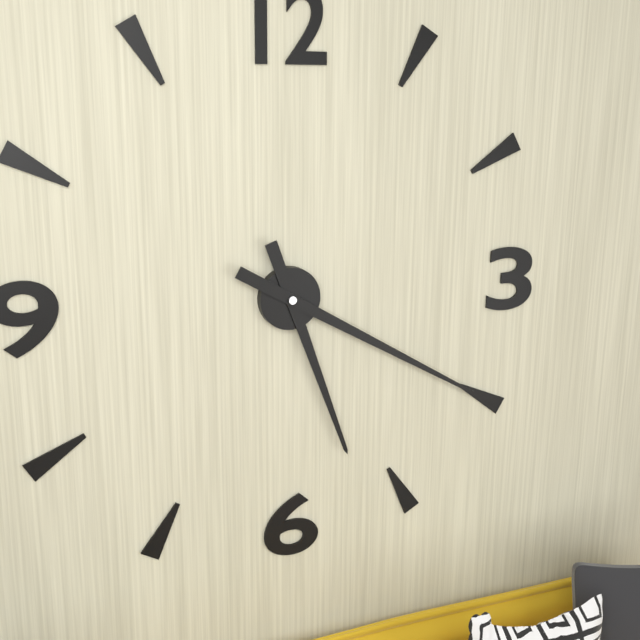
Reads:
5,20
